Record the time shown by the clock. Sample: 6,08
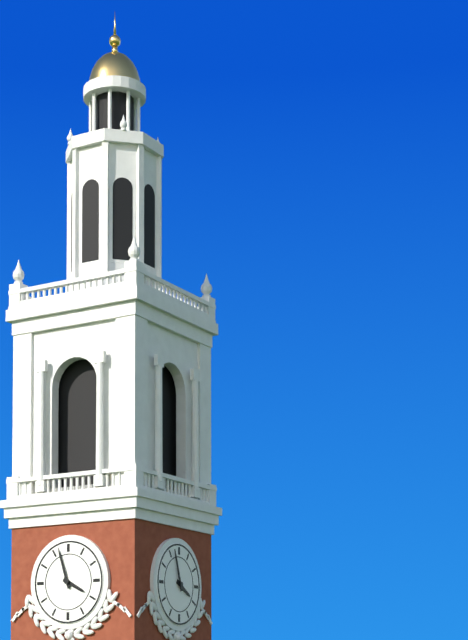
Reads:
3,57
